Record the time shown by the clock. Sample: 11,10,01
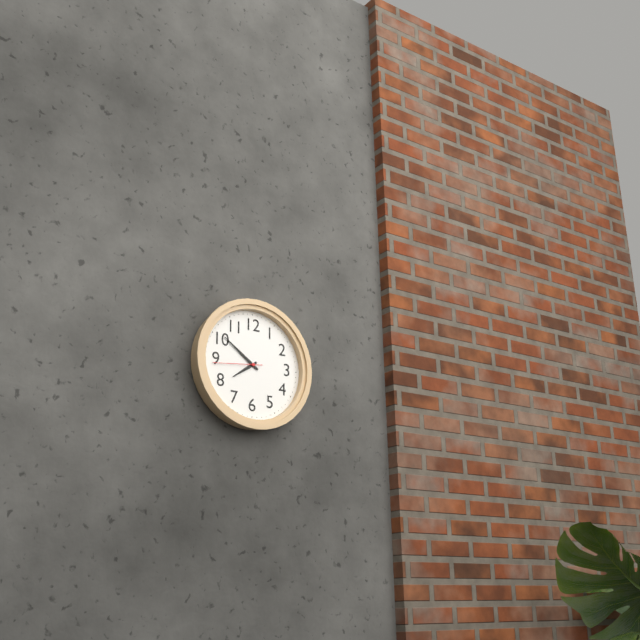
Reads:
7,51,44
